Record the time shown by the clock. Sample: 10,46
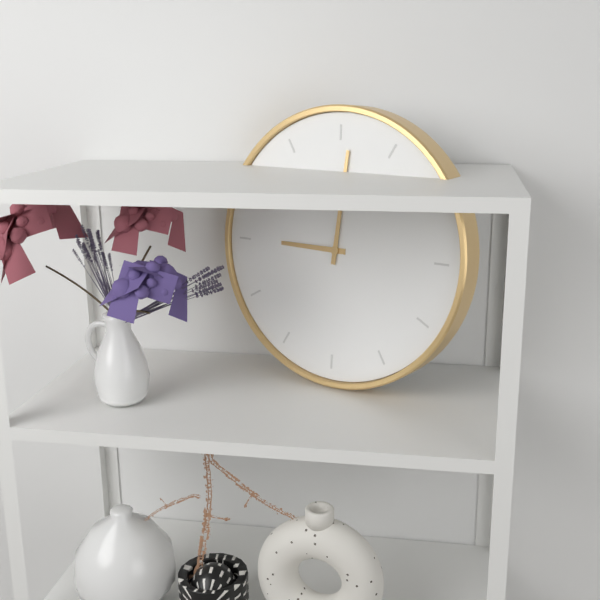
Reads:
9,01
